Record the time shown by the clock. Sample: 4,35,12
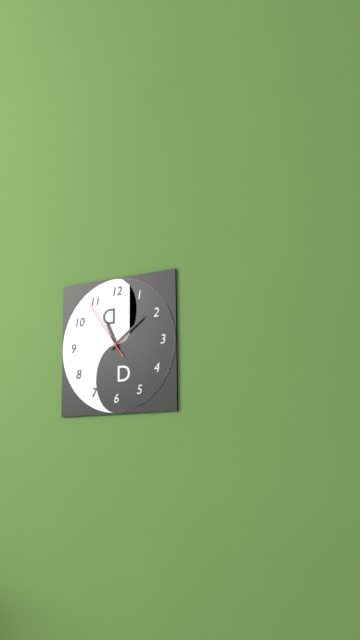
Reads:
11,09,54
